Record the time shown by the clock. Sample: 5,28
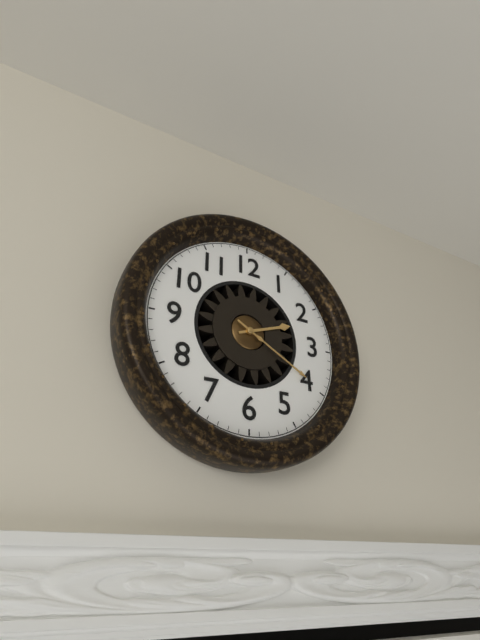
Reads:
2,20
